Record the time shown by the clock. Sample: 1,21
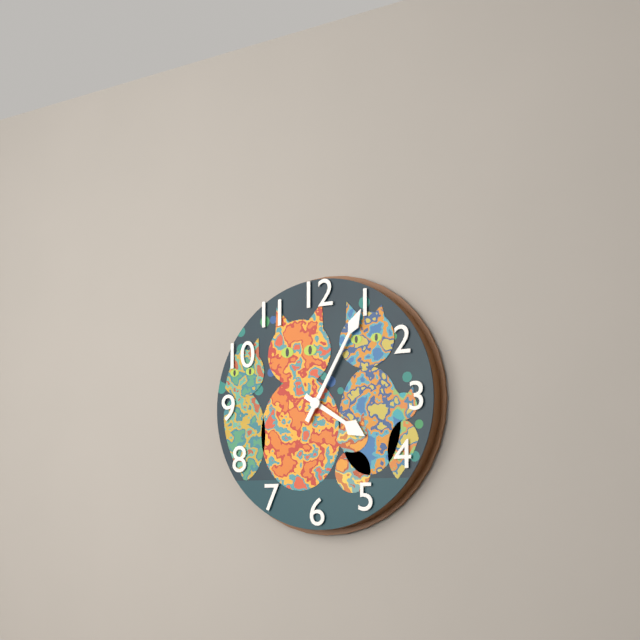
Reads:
4,05
